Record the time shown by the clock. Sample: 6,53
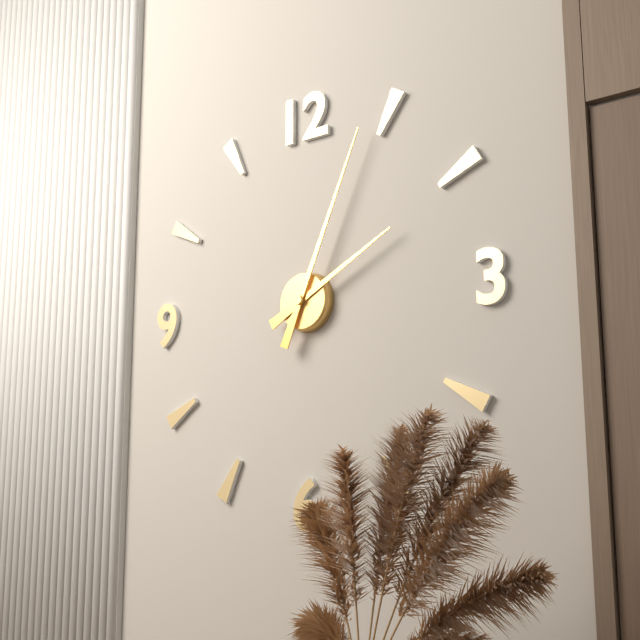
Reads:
2,04
